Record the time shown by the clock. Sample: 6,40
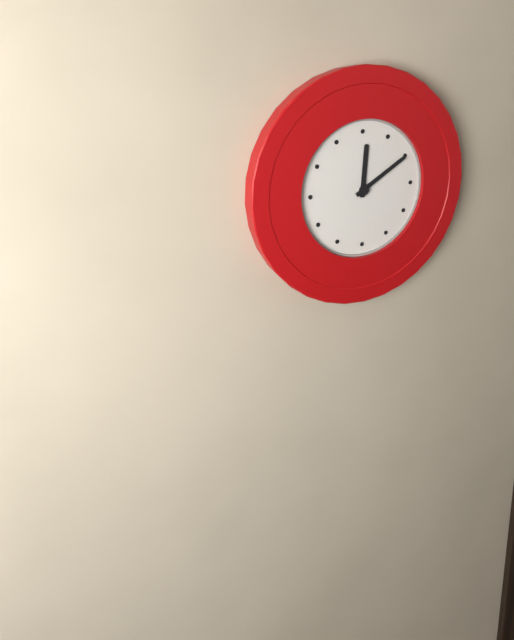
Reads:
12,10
